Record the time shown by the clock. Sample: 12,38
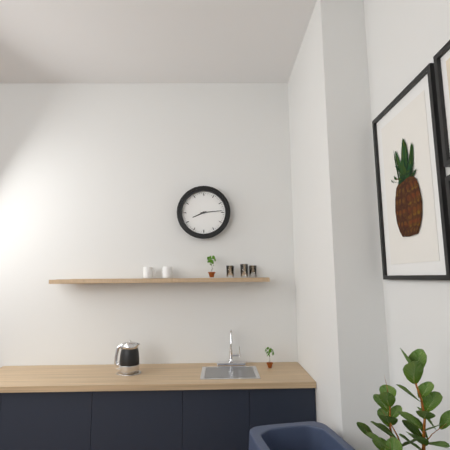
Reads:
8,14
